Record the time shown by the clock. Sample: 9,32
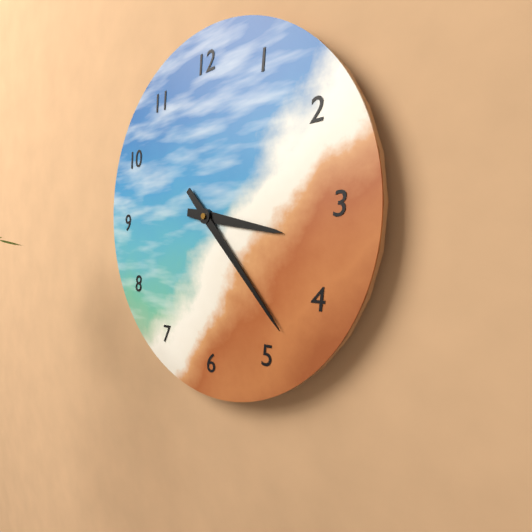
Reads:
3,23
